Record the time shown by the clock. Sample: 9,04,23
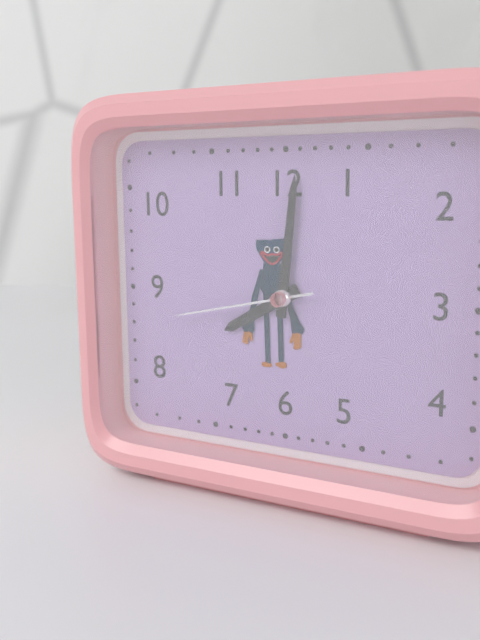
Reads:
8,01,43
